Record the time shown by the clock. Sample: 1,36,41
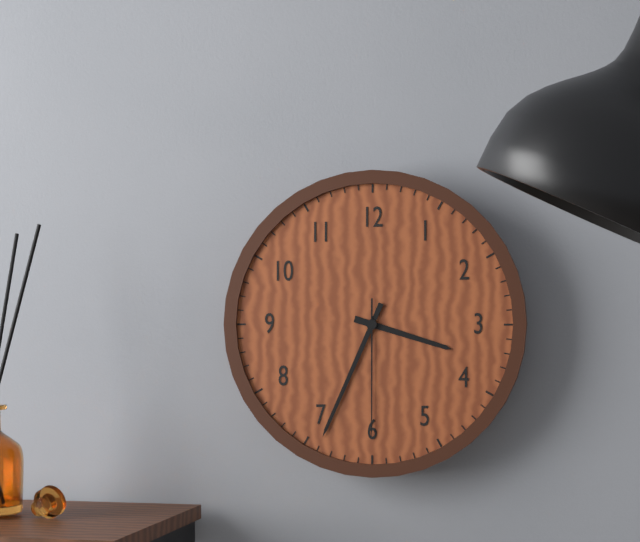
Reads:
3,34,30
